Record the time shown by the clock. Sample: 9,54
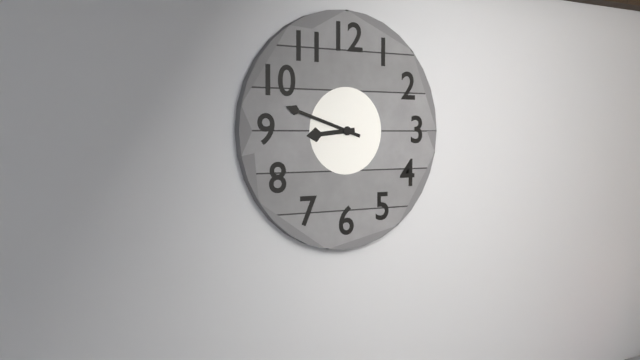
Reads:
8,48
